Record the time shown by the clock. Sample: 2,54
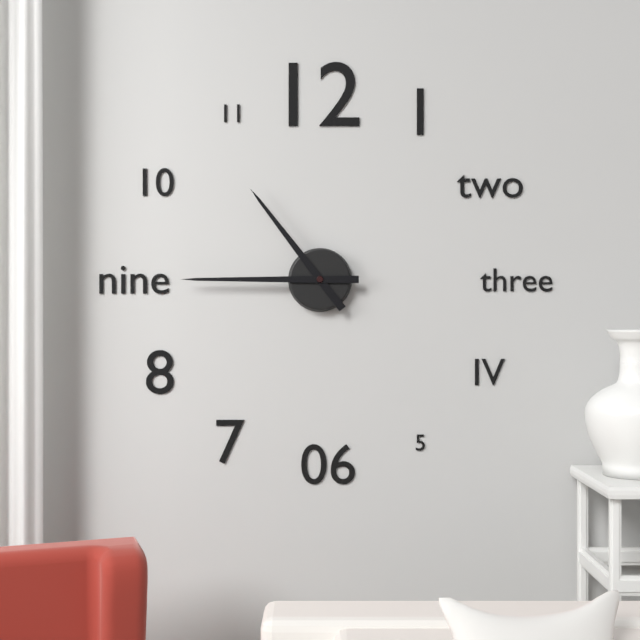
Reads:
10,45
